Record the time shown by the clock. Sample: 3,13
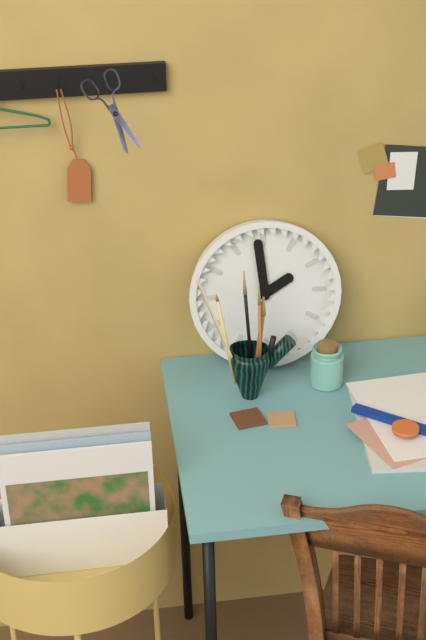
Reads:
1,59
